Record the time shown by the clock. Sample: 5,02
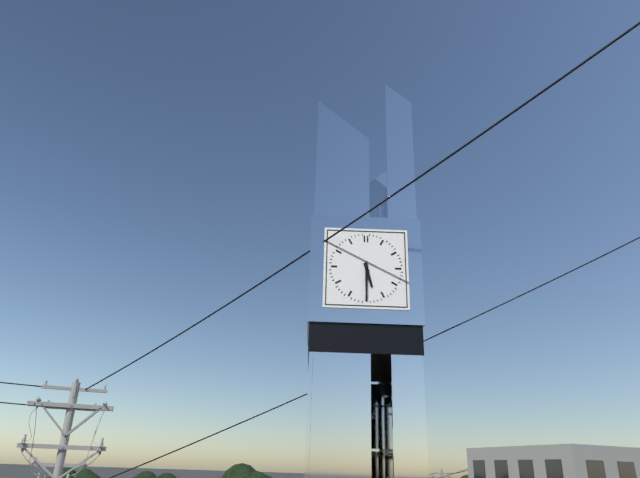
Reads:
5,30
